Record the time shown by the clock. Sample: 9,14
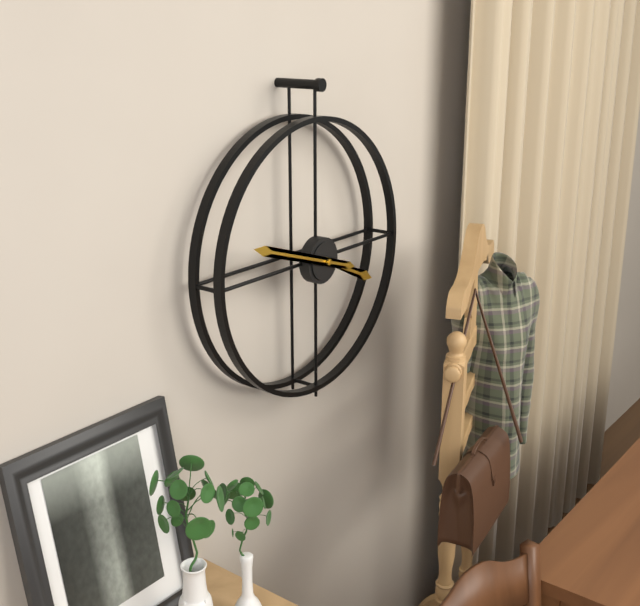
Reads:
3,48
